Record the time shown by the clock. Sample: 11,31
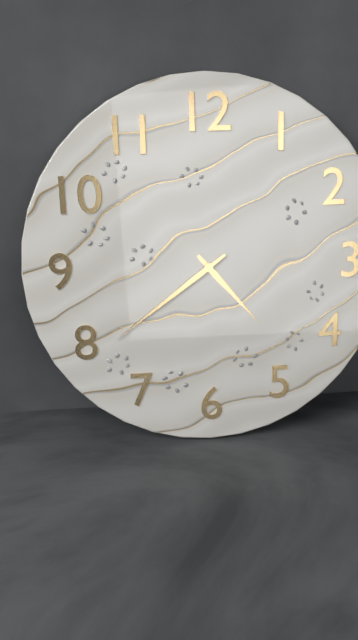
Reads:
4,39
